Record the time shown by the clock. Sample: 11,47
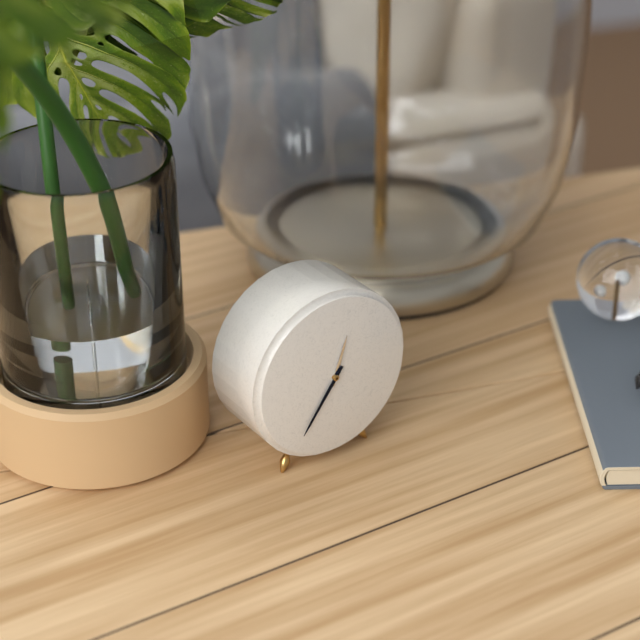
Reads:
12,36
